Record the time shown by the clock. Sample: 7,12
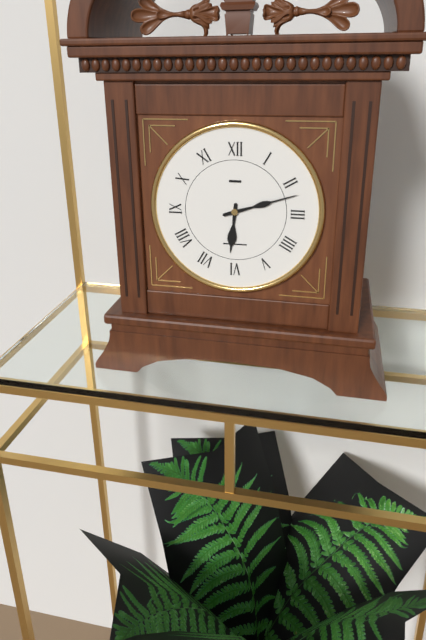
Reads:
6,12
